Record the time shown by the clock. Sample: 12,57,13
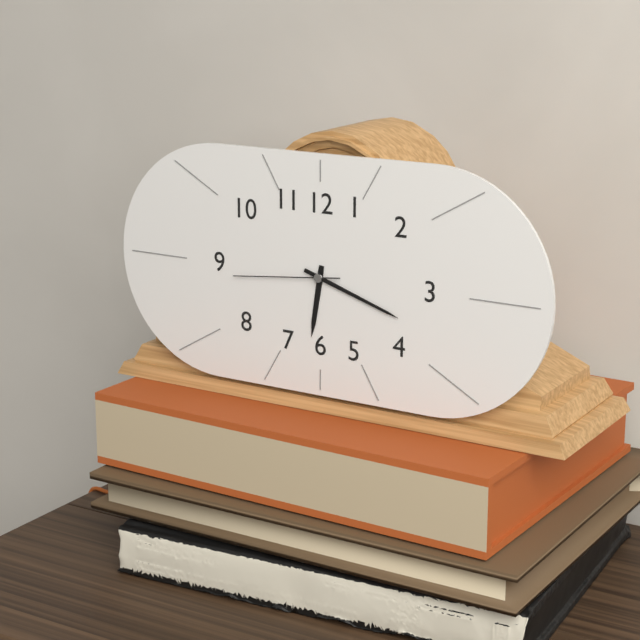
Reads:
6,18,44
